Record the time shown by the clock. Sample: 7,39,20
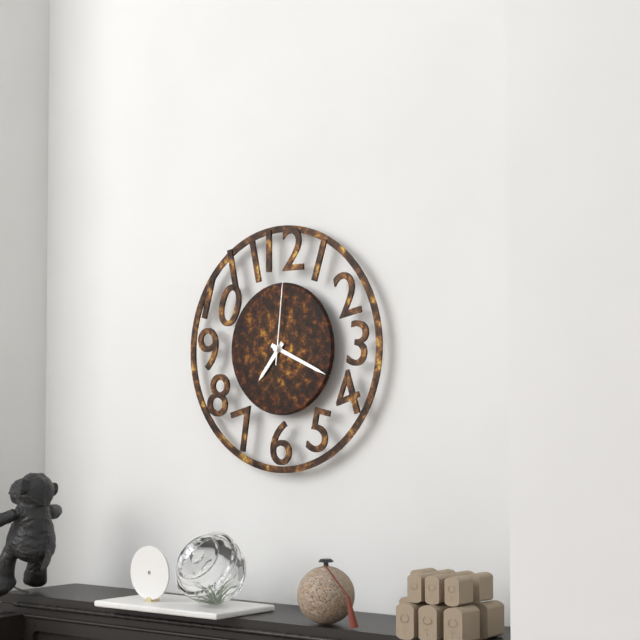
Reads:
7,19,01
